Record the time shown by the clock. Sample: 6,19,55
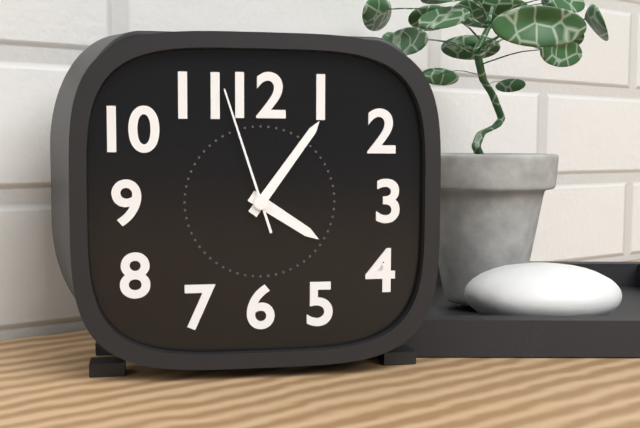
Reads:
4,06,57
